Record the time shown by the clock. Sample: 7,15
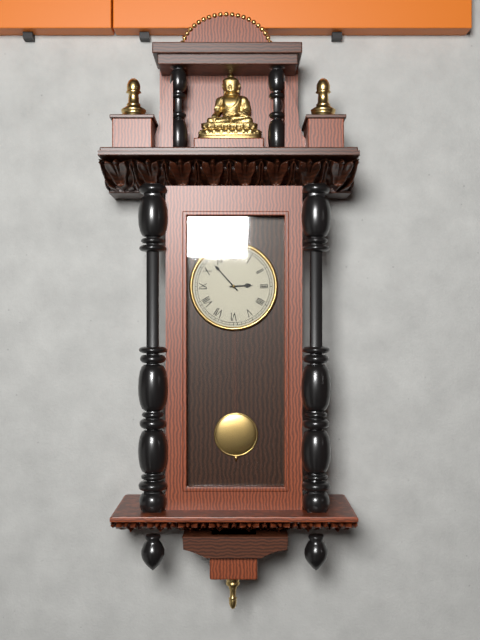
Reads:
2,53
